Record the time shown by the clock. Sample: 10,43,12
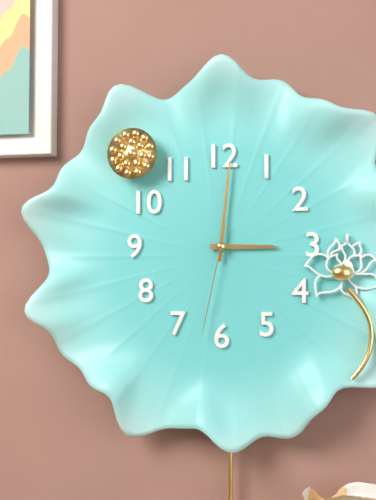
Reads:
3,01,32
